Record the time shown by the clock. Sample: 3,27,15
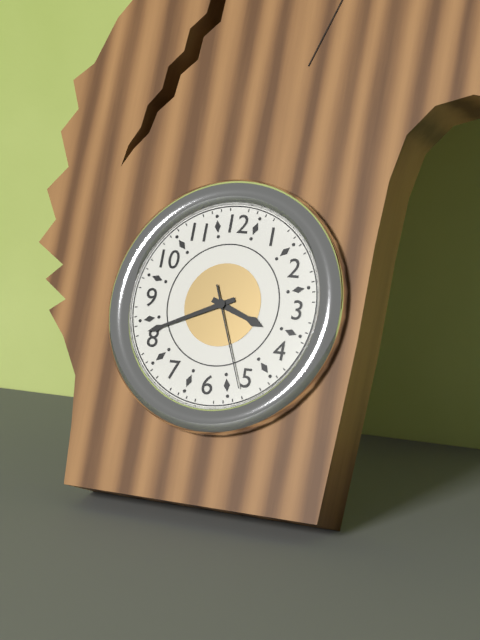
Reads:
3,41,26
